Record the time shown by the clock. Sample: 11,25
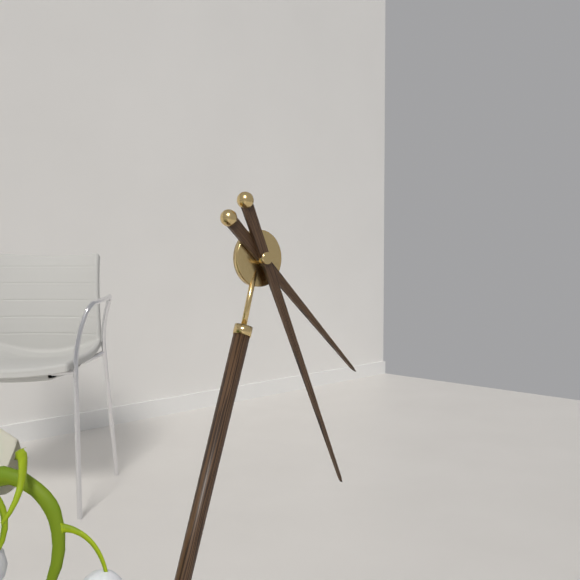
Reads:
4,26
